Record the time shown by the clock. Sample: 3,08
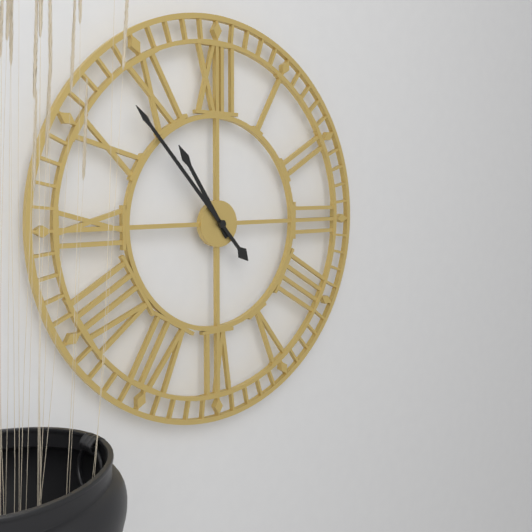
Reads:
10,53
